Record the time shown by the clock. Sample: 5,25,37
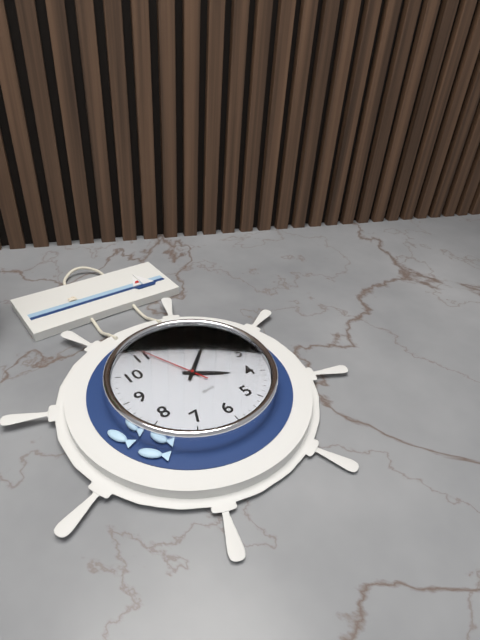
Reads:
4,08,56
